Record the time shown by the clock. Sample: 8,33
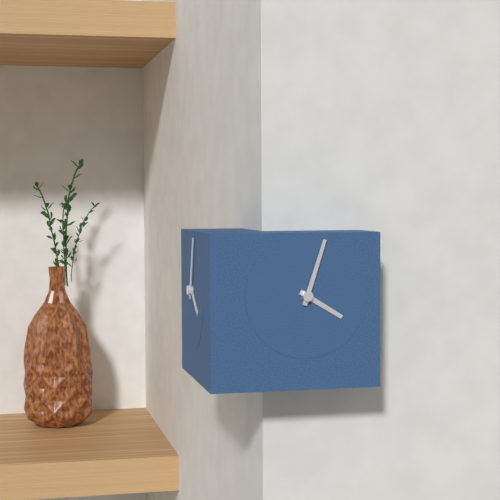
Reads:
4,03
